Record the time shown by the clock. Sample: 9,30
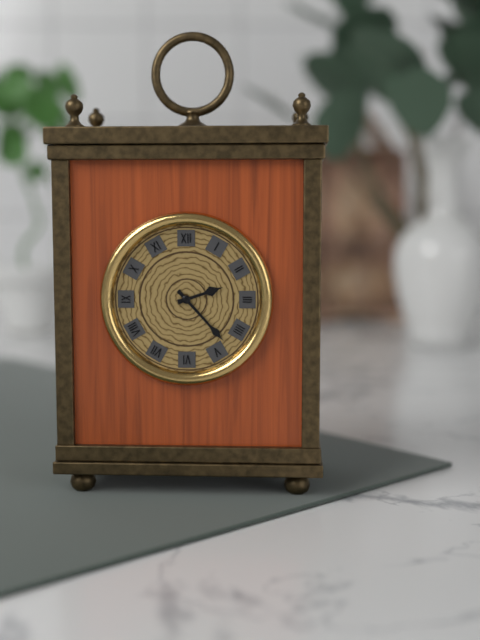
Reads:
2,23
